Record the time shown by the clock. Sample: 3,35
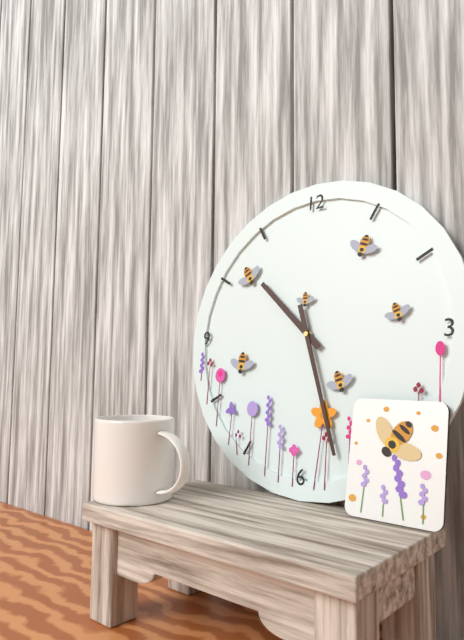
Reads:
10,27
